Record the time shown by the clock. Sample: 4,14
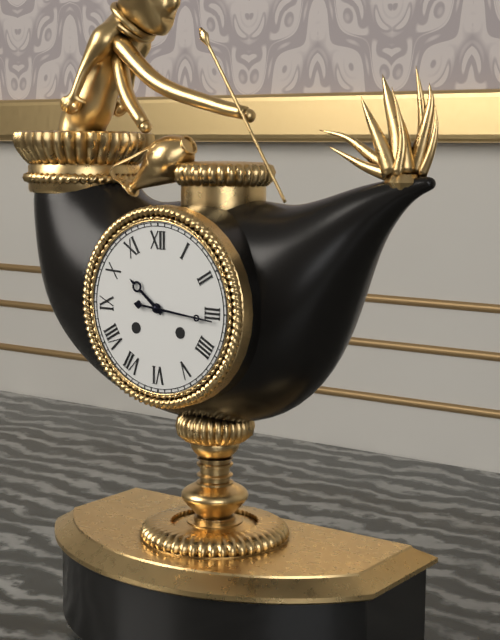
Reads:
10,16
